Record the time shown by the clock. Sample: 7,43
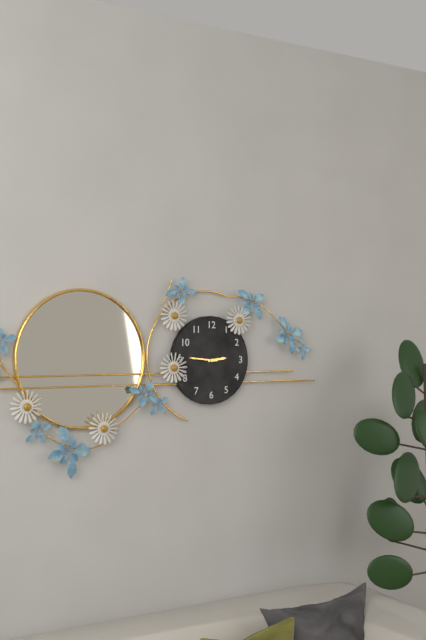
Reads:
2,46
